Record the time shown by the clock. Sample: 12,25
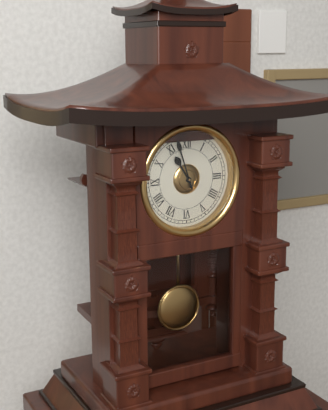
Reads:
10,57
